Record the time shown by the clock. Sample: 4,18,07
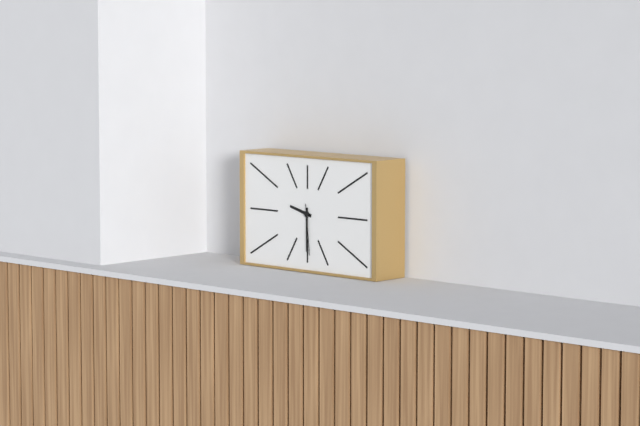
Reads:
9,30,29
